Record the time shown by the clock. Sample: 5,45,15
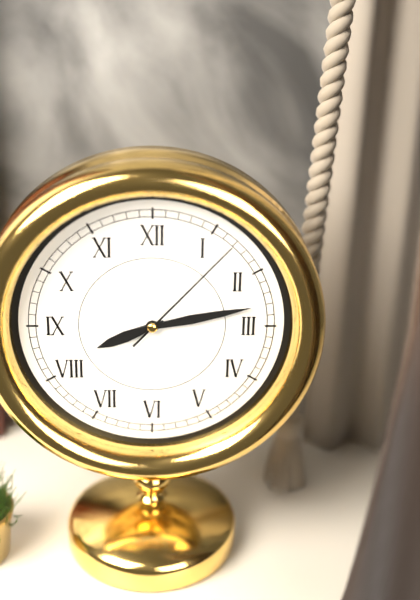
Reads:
8,13,07
